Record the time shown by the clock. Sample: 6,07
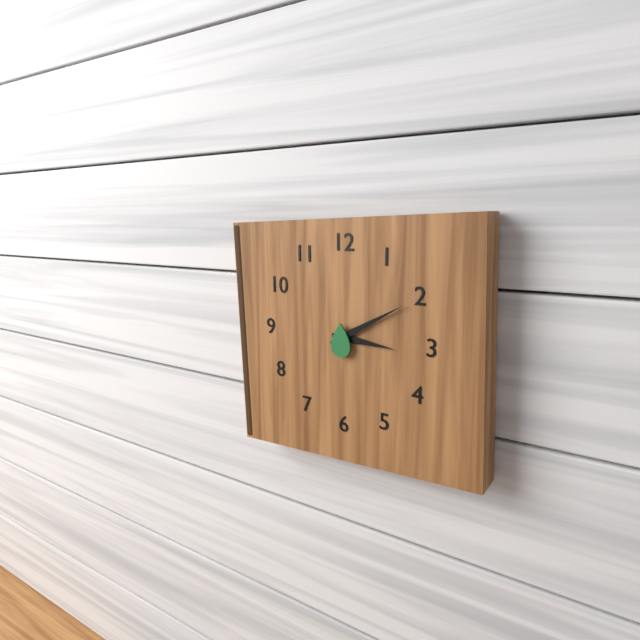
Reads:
3,10
